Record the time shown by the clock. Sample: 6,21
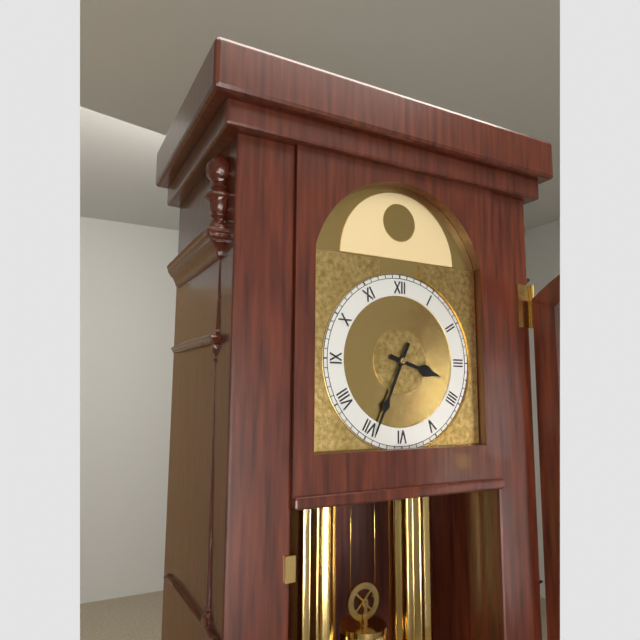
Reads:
3,34
